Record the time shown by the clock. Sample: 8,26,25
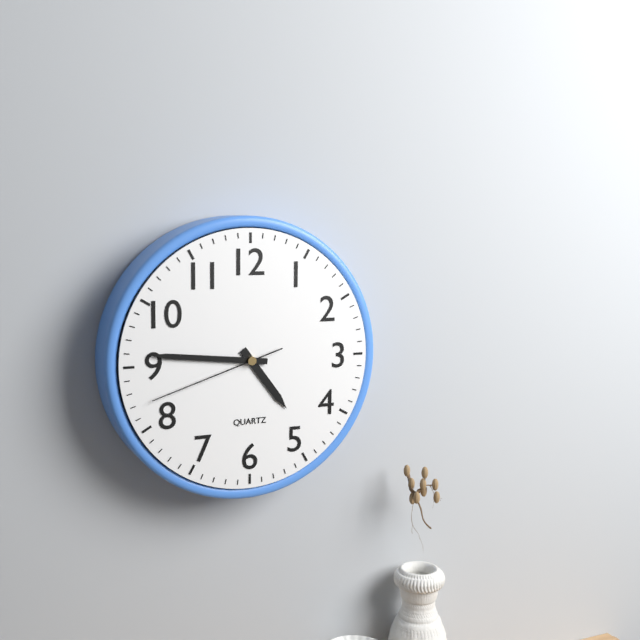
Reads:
4,46,42
